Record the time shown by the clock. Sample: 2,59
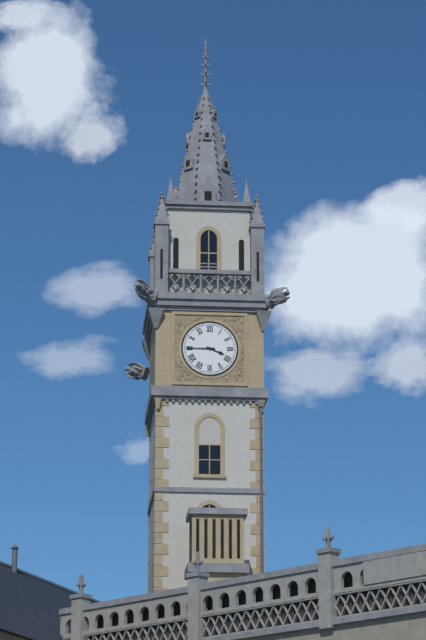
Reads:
3,45
